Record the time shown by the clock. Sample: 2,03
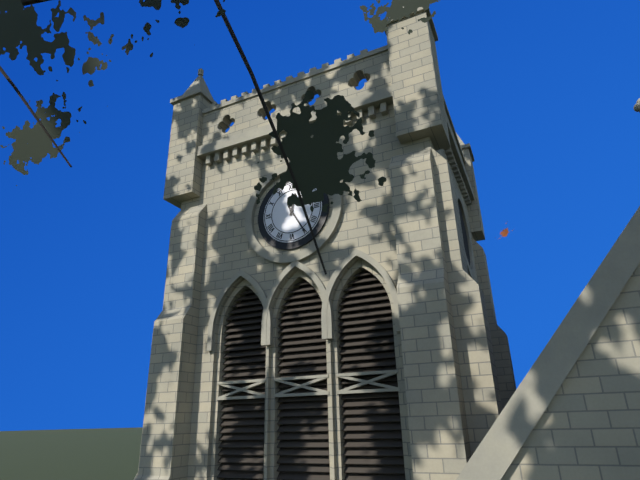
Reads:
12,25
